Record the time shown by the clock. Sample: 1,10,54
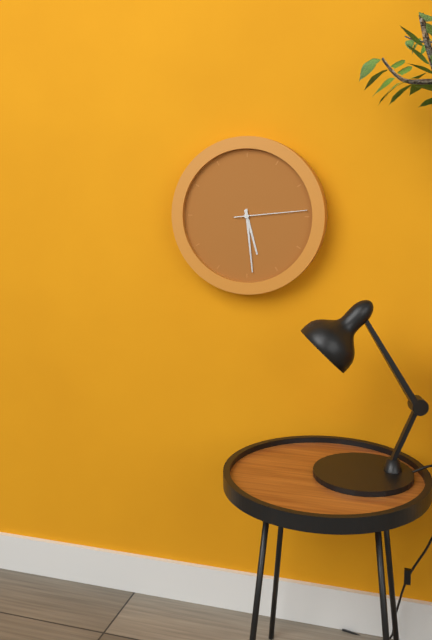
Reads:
5,29,14
